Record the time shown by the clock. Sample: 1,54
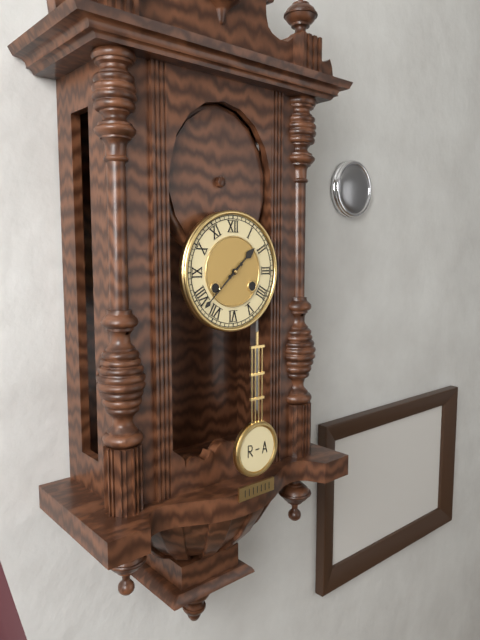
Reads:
1,38
